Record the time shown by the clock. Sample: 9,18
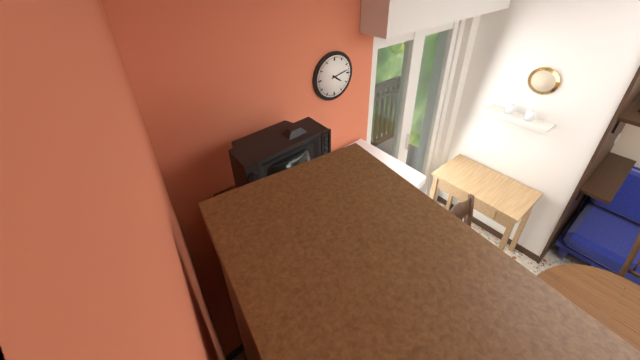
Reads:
4,13
